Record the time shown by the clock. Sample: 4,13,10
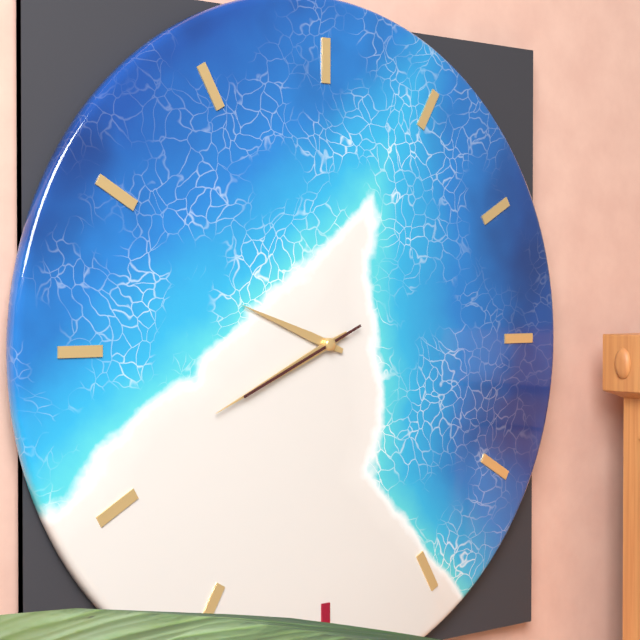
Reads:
9,41,41
